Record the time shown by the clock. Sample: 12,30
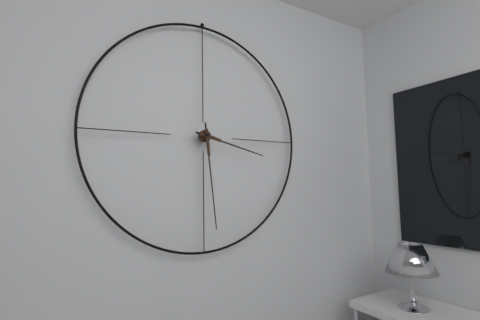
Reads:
3,29
